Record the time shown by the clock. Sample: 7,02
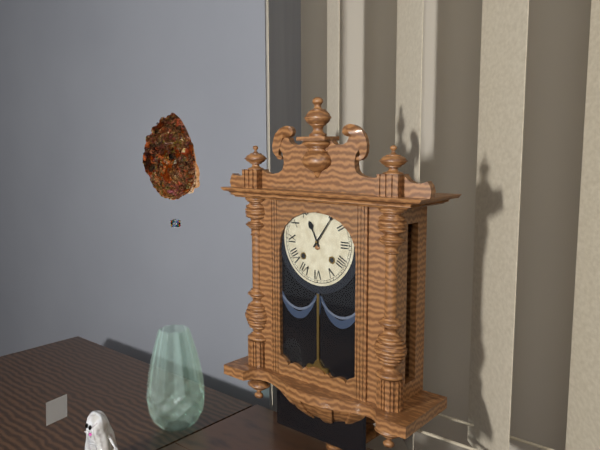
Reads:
11,06
